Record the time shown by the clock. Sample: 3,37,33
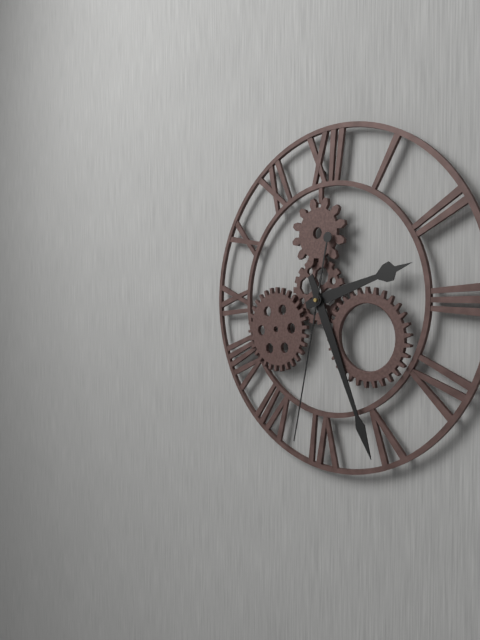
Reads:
2,26,32
